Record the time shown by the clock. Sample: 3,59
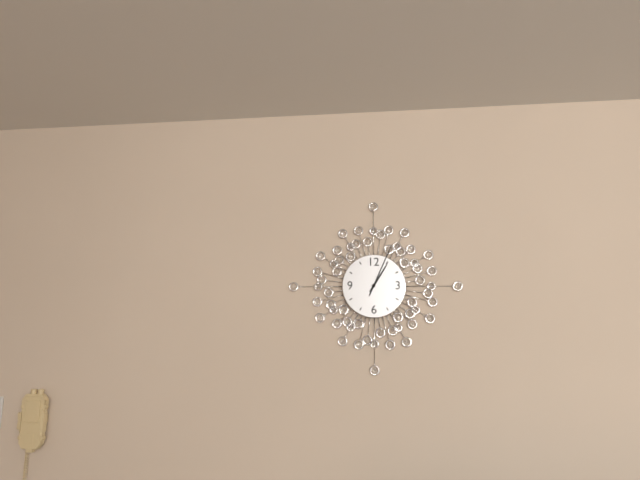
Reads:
1,04
